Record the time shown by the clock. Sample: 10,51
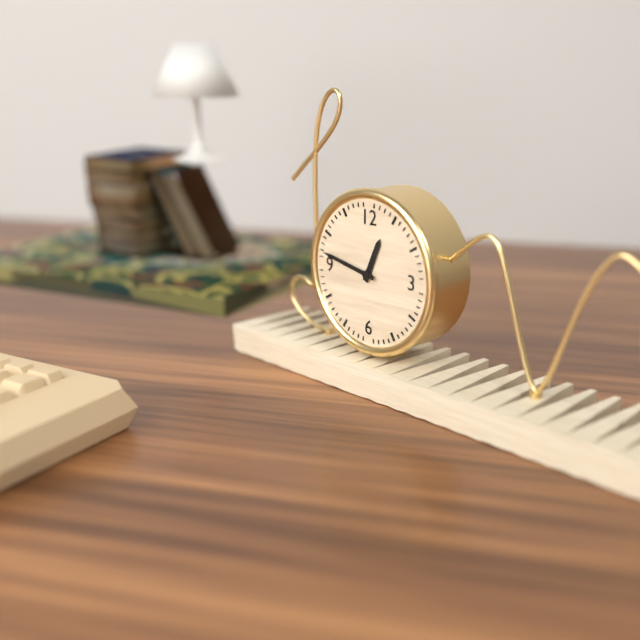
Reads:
12,47
